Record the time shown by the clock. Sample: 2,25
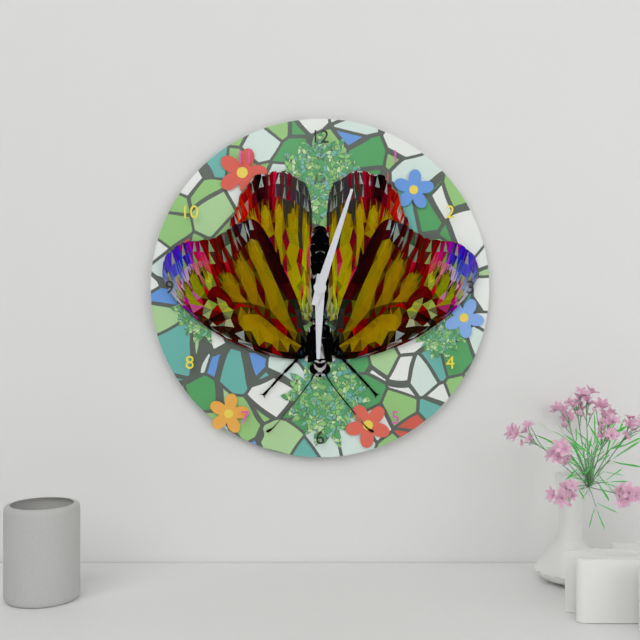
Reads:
6,03
